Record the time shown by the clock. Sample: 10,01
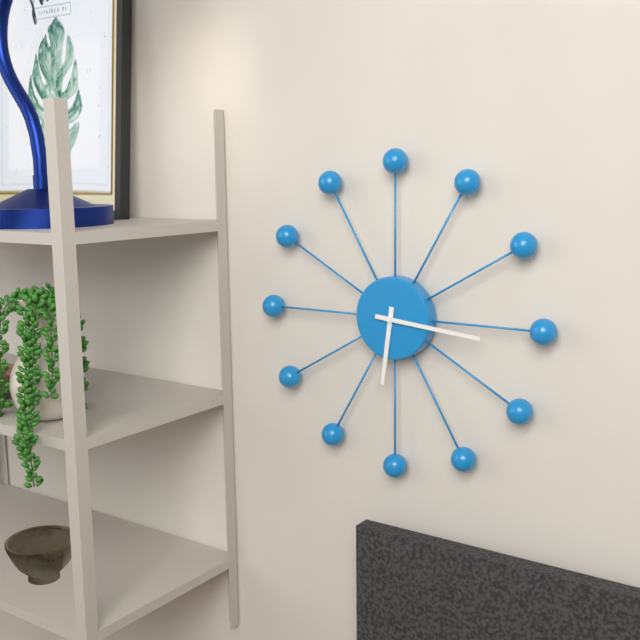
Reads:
6,16
